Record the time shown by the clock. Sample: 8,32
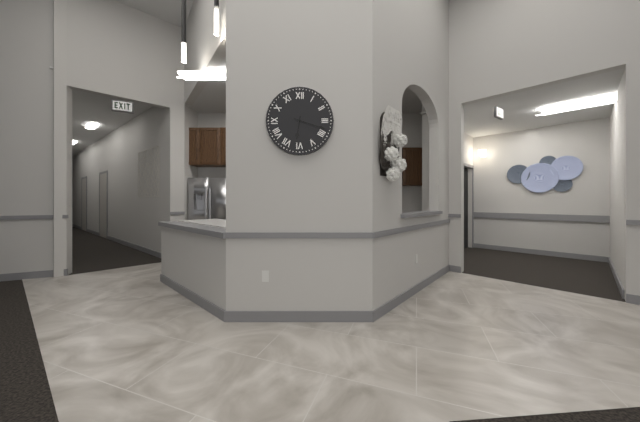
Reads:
6,18
